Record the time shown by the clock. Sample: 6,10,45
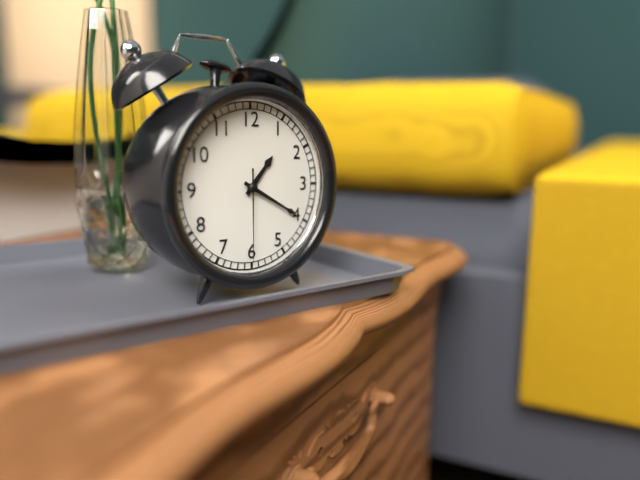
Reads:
1,20,30
